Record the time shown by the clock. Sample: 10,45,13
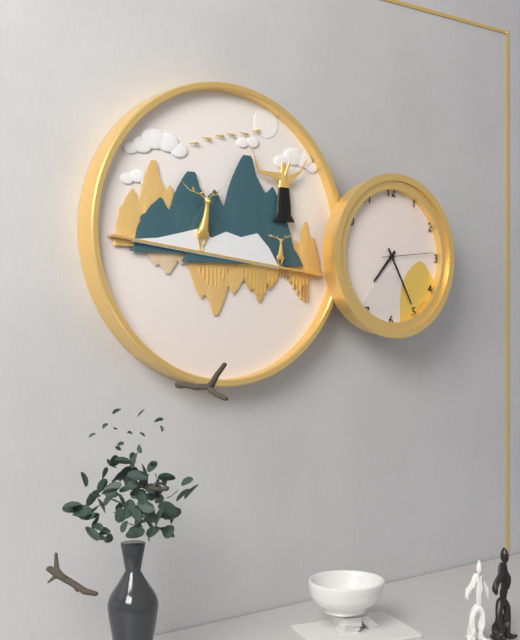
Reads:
7,25,14
